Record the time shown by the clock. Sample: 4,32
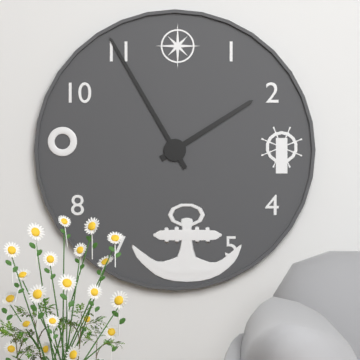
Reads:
1,55
